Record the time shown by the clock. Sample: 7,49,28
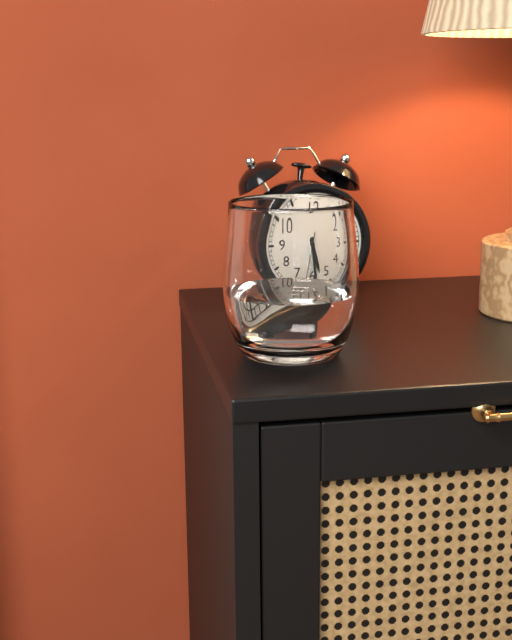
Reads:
5,29,32
